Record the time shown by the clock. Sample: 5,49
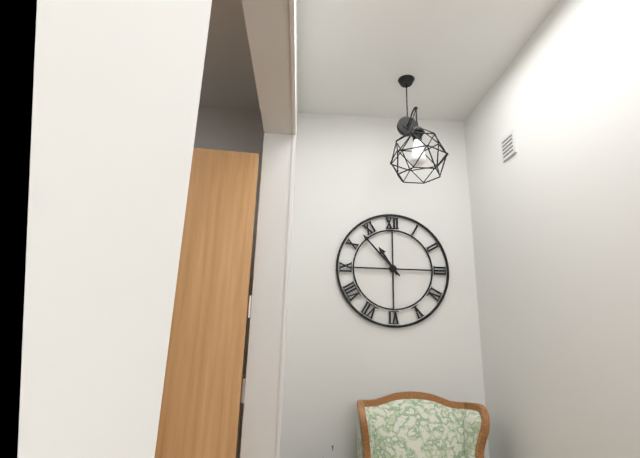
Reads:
10,53
